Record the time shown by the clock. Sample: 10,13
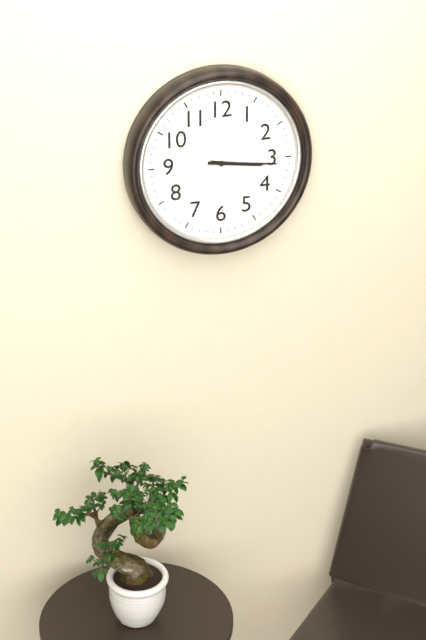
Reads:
3,16
